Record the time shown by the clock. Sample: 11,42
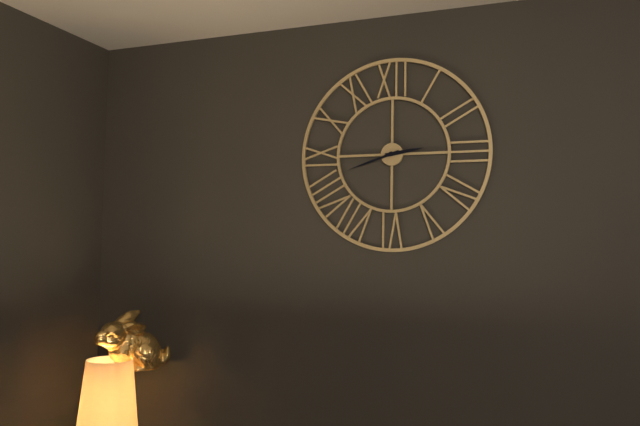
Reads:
2,42
